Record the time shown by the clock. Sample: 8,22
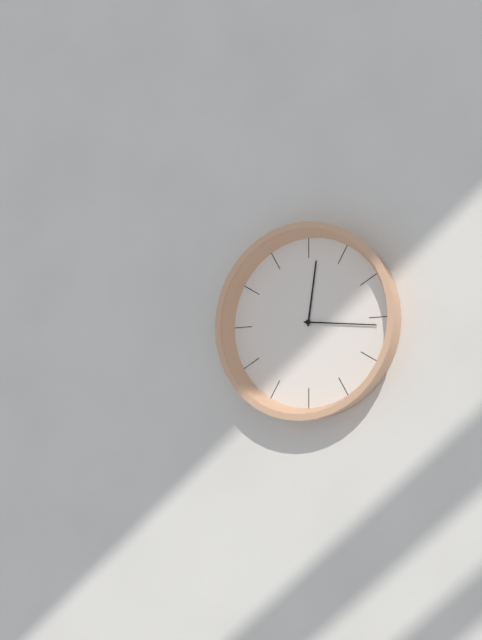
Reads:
12,16
